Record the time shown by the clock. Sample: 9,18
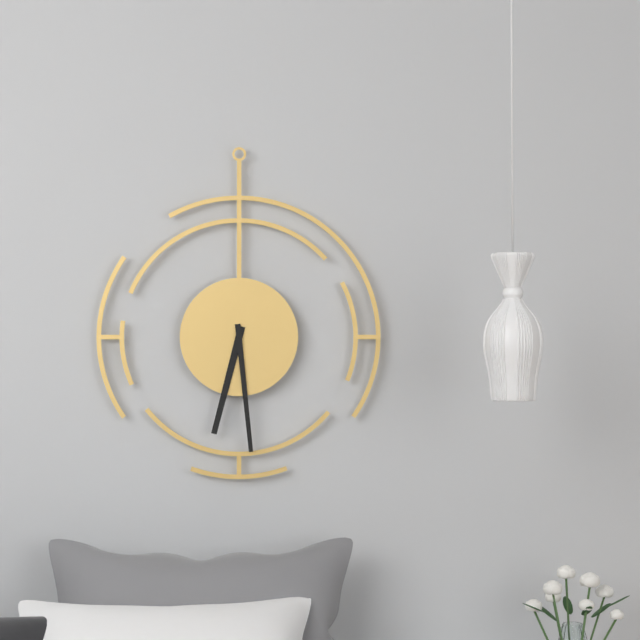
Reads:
6,29
